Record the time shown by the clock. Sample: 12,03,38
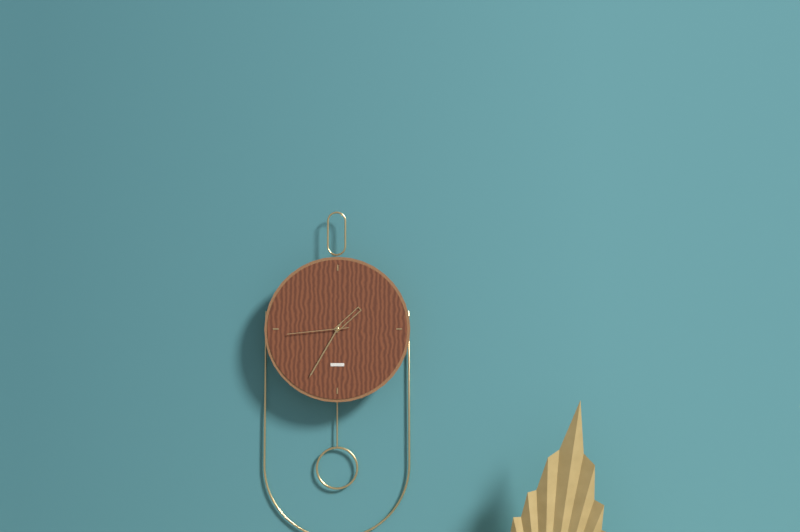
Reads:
1,35,44
